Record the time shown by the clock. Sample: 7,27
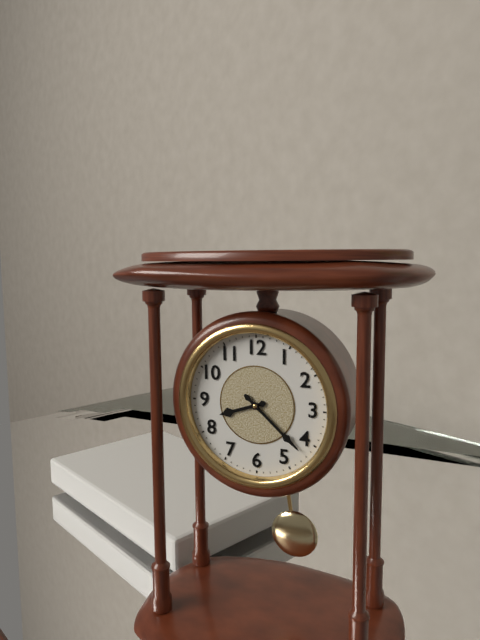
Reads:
8,22
